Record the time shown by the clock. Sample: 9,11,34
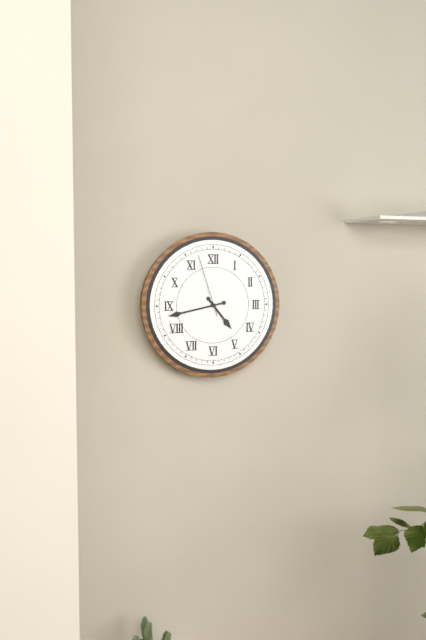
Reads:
4,43,57
